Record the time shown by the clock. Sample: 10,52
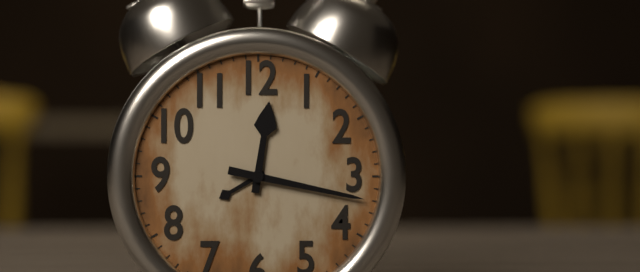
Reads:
12,17
